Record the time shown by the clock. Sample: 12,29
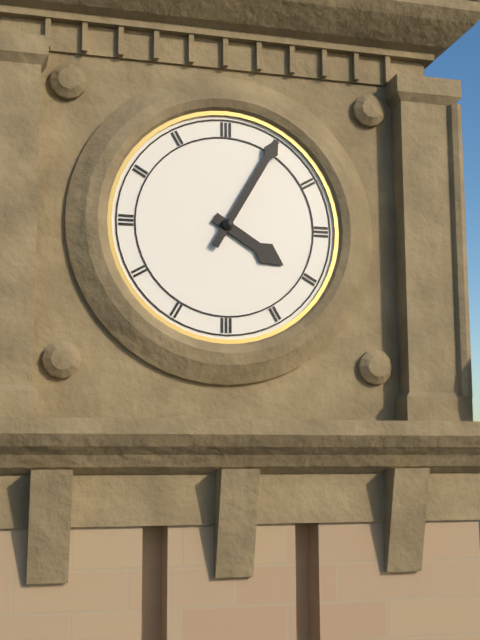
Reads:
4,05
